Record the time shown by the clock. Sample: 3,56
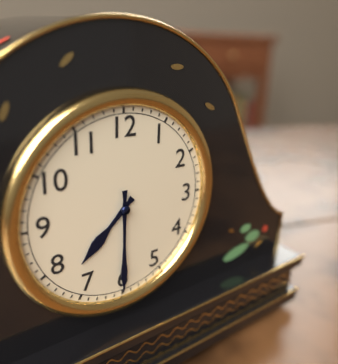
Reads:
7,30
